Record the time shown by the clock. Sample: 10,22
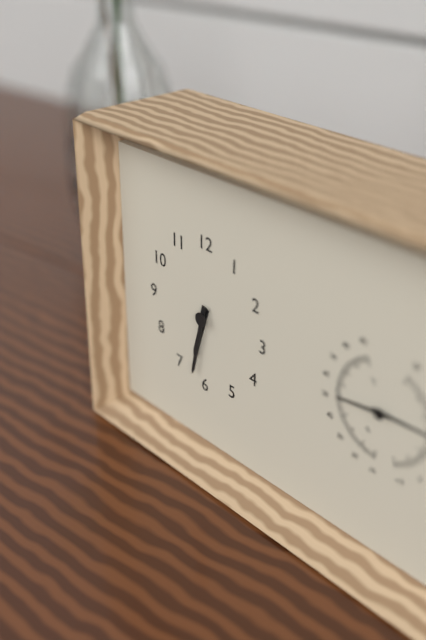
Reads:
6,32
